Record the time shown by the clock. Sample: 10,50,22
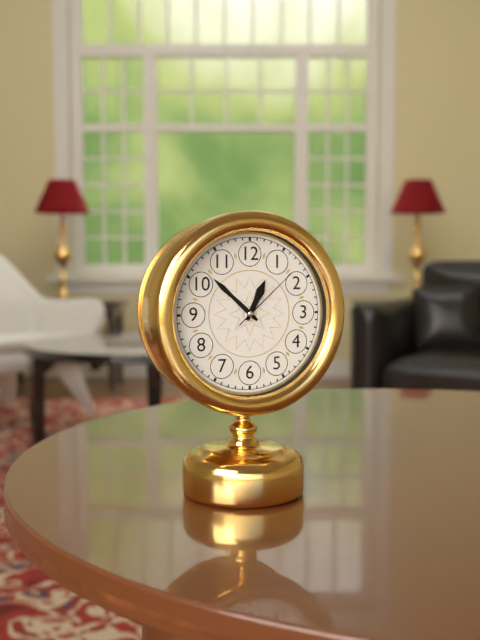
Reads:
12,52,08
